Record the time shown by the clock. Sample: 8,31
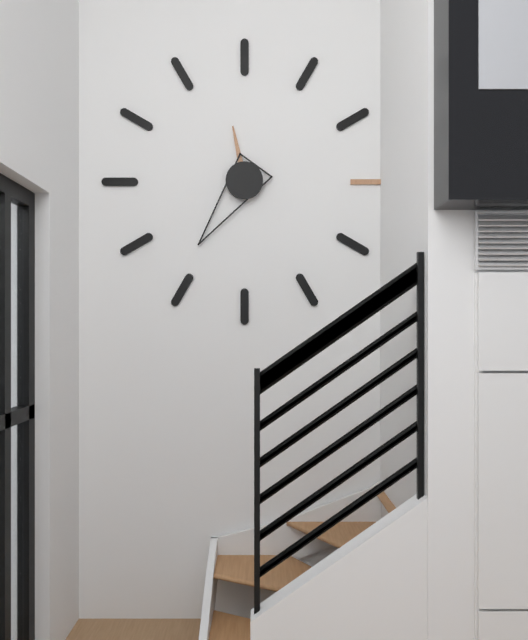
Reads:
11,36
